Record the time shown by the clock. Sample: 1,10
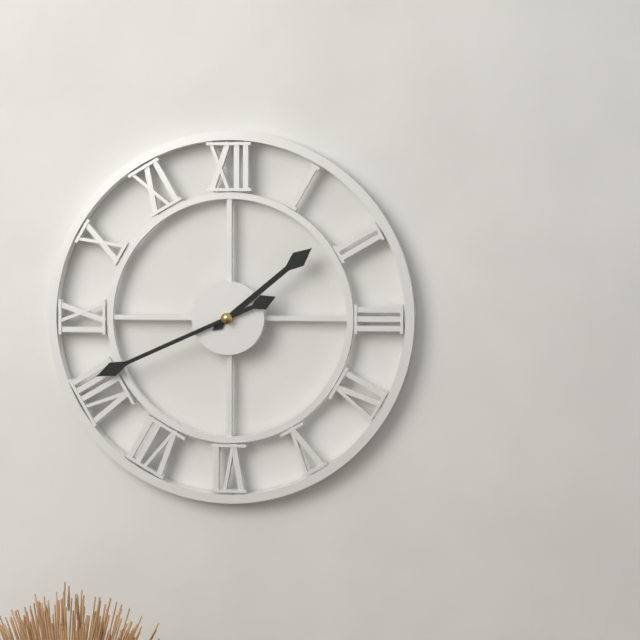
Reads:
1,41
